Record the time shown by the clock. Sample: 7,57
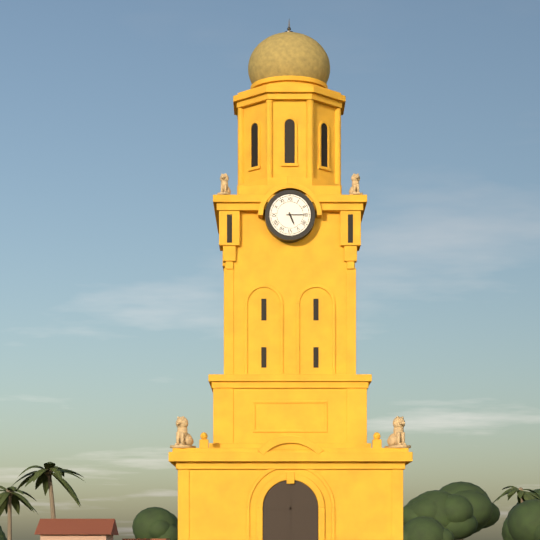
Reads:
5,15
